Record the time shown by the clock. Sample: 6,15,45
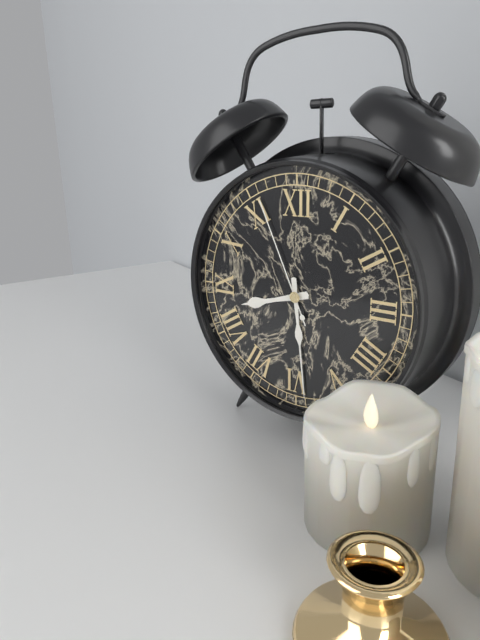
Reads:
8,29,56
